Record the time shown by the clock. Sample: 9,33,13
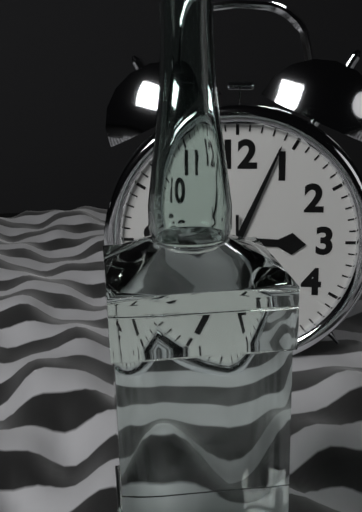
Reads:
3,04,30
